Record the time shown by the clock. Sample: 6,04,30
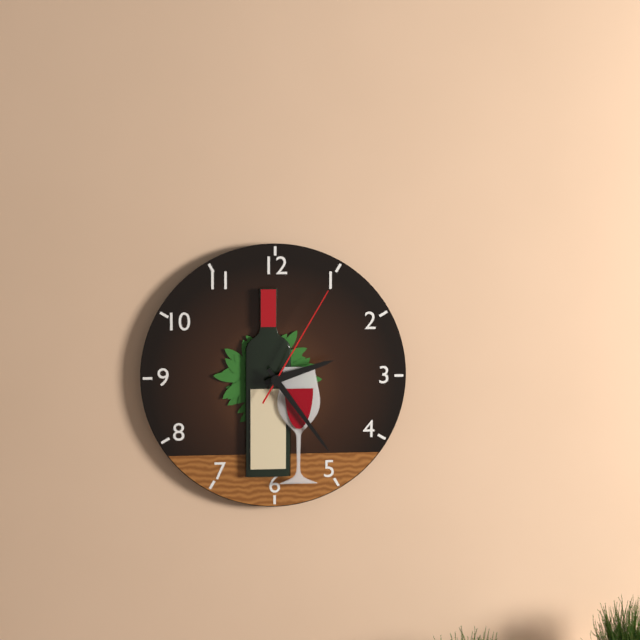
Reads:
2,24,05
